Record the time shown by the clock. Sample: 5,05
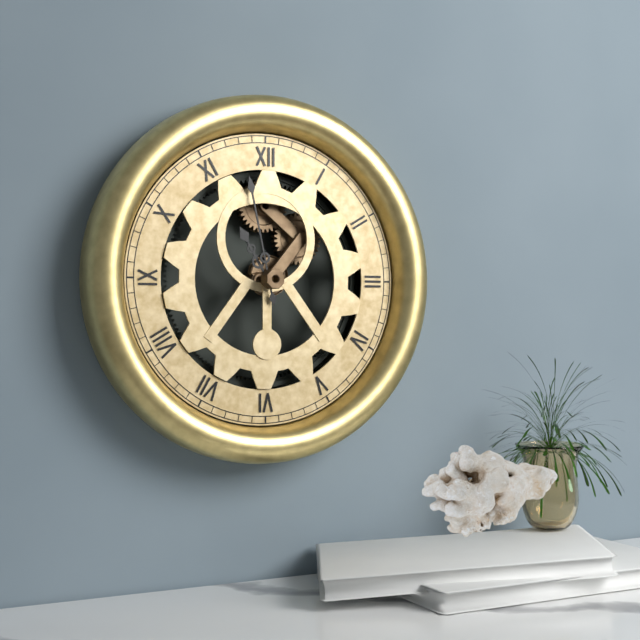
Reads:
10,58
